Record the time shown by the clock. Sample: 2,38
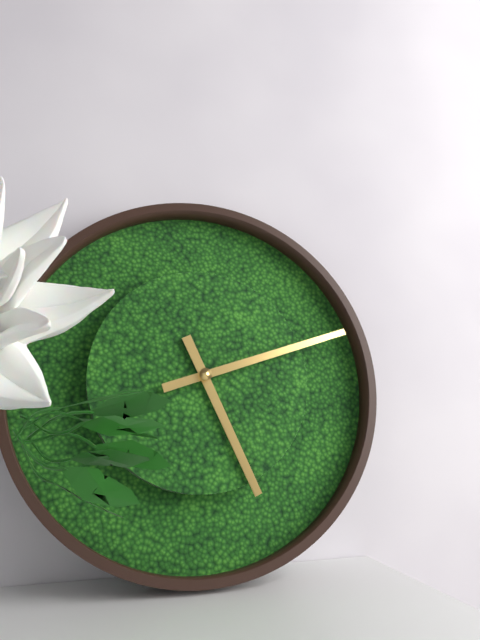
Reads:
5,12
